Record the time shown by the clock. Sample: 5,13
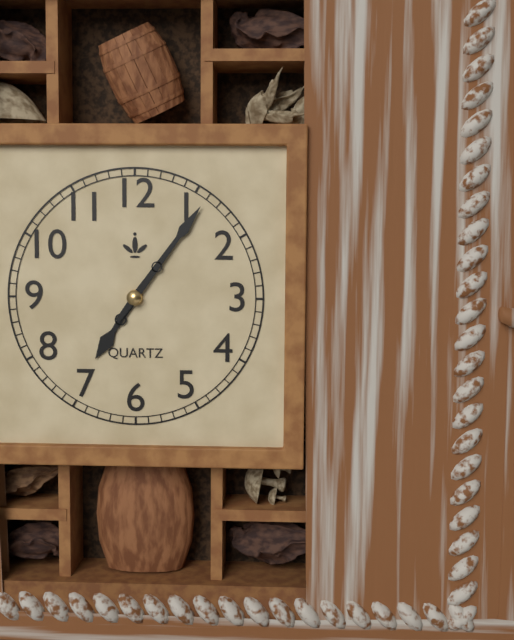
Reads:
7,06
